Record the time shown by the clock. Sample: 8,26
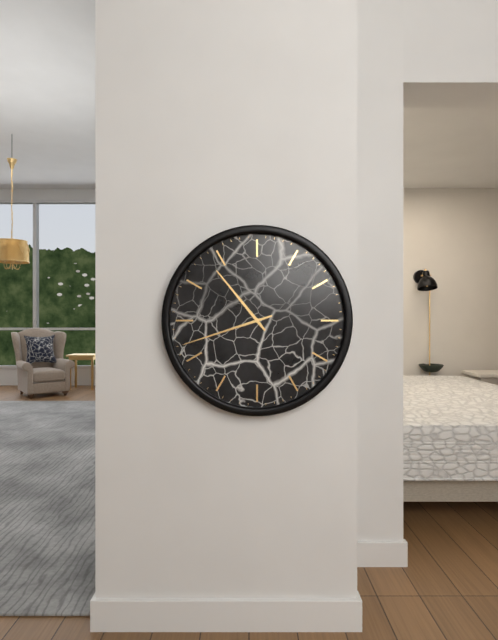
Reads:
10,42
